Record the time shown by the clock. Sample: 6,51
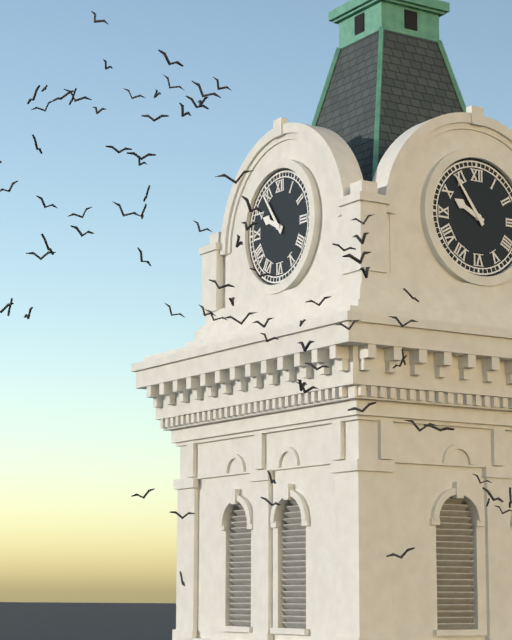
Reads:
9,54
